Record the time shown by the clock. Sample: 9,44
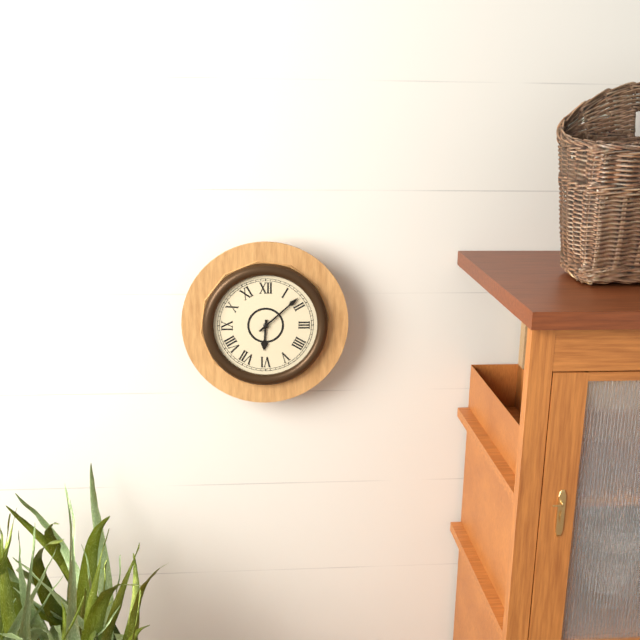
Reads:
6,08
